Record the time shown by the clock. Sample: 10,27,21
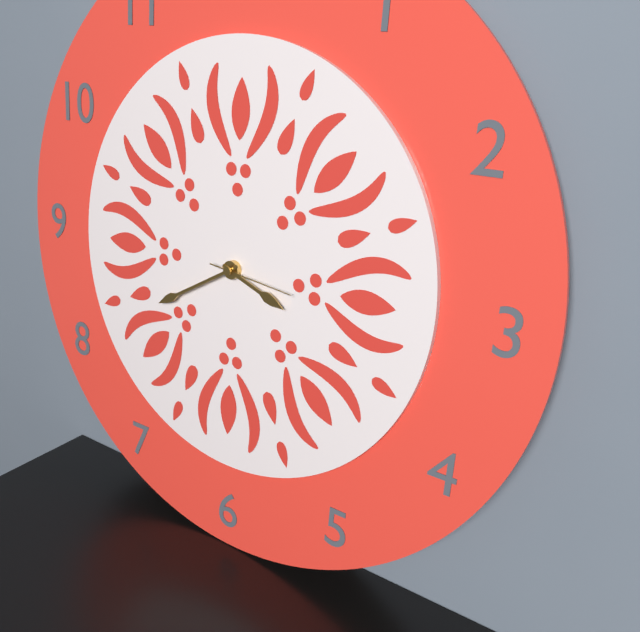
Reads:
3,40,16
